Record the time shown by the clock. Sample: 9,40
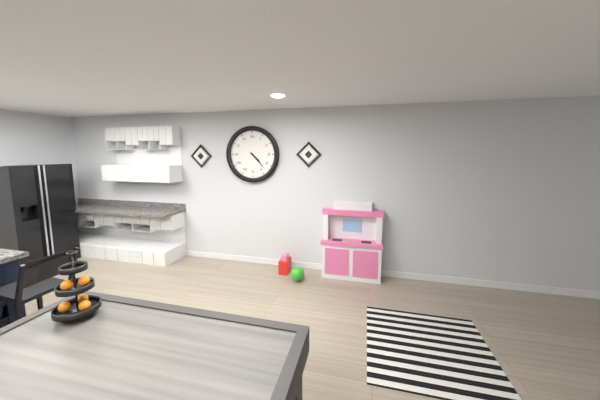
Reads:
4,23
